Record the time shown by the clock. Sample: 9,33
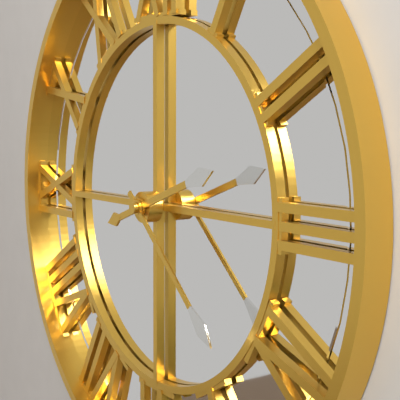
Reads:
2,22
